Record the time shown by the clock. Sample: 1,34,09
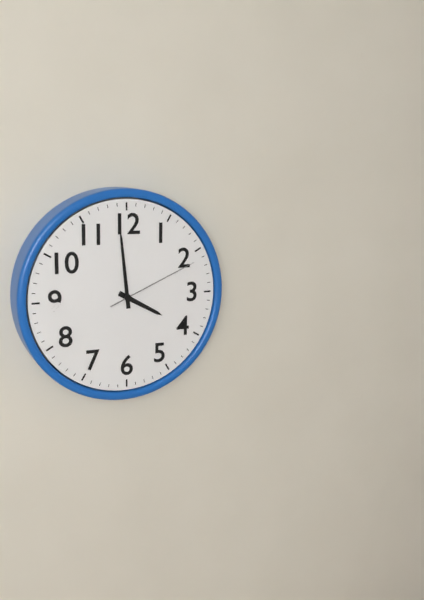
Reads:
3,59,11
